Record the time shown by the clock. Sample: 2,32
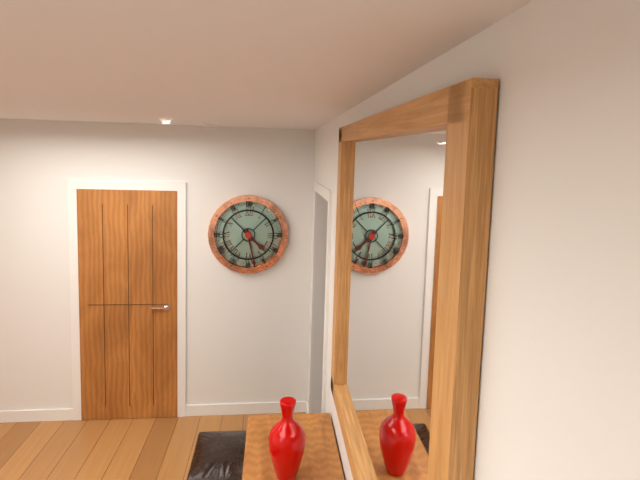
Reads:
4,28
